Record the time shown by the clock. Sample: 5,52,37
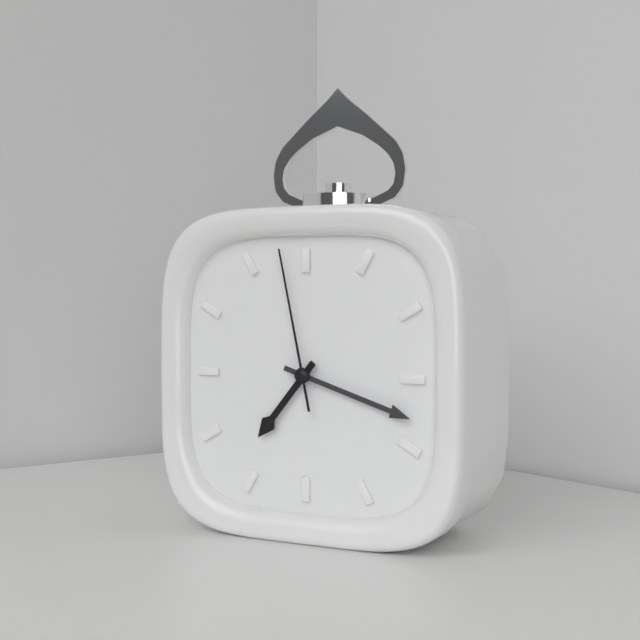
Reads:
7,18,58
